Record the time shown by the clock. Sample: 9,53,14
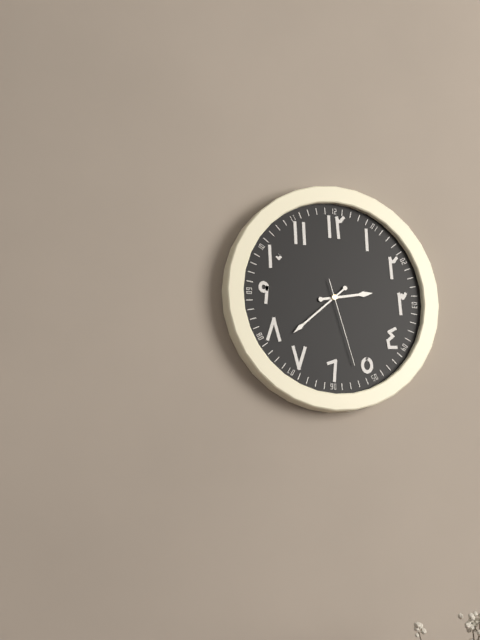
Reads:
2,38,27
